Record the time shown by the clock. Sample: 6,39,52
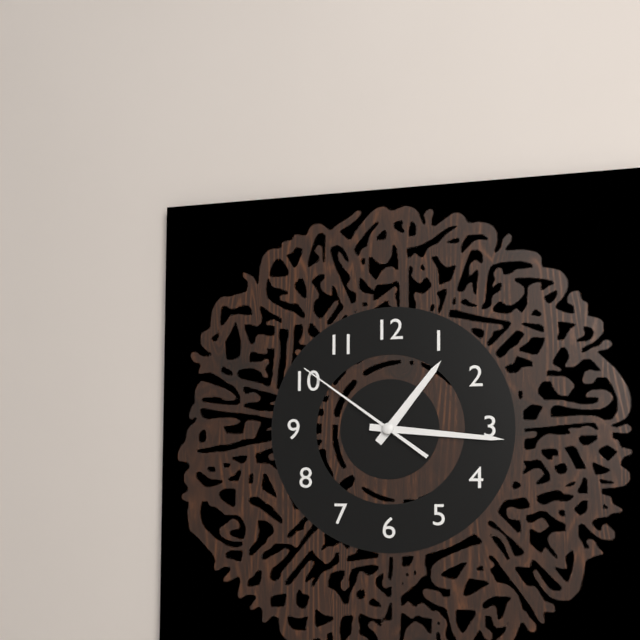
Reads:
1,16,51
